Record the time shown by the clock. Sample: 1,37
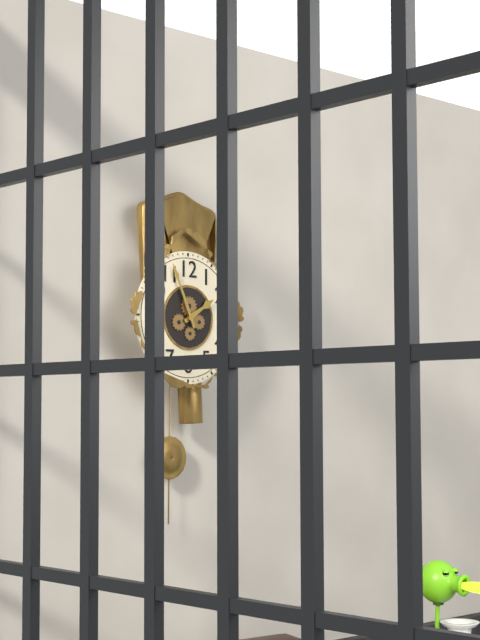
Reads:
1,56
